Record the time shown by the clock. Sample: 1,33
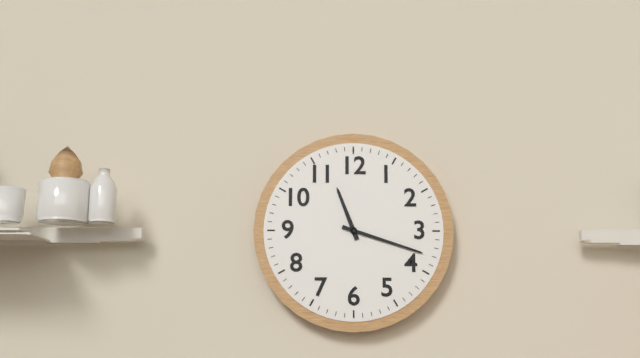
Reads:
11,18
